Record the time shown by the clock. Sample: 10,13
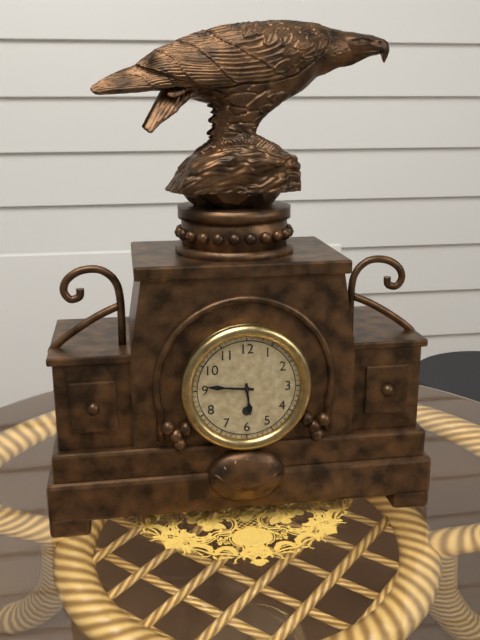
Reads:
5,46
